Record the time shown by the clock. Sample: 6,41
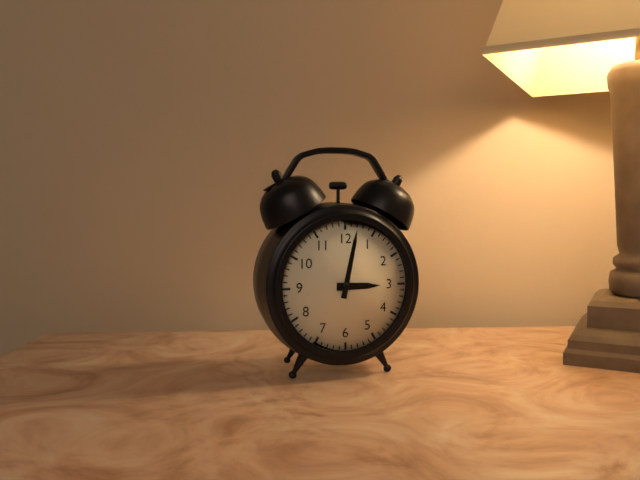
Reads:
3,02
